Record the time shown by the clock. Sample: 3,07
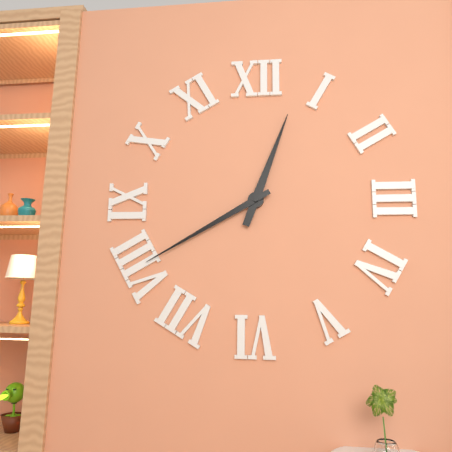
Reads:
12,40
